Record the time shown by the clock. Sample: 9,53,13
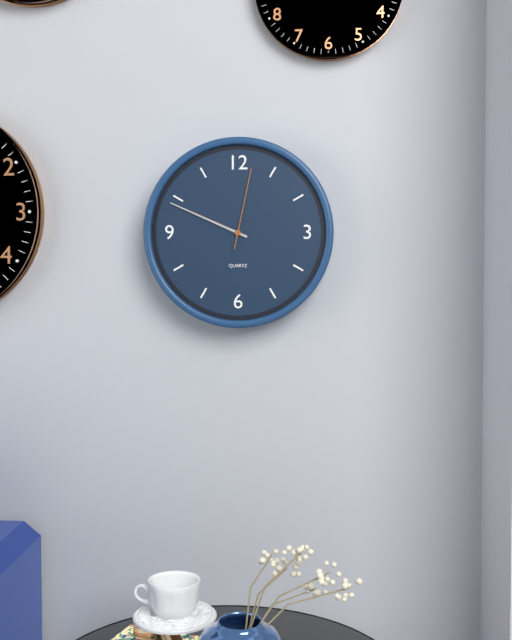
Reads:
9,49,02
